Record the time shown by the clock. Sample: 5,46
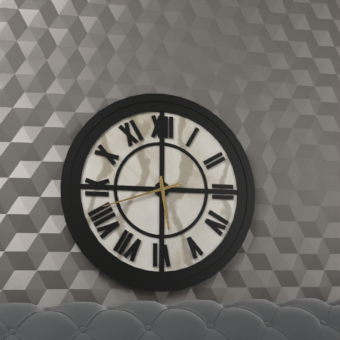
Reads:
5,42
